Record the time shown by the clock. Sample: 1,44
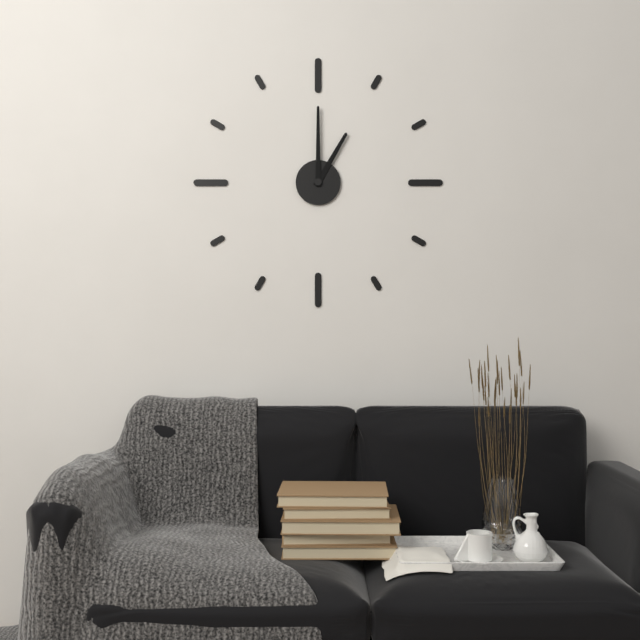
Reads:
1,00
